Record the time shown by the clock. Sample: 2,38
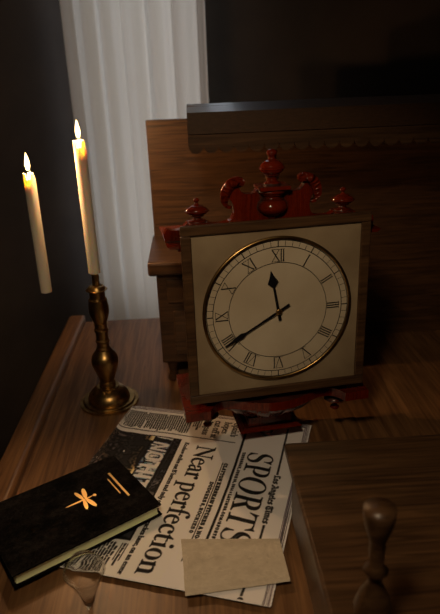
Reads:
11,40
